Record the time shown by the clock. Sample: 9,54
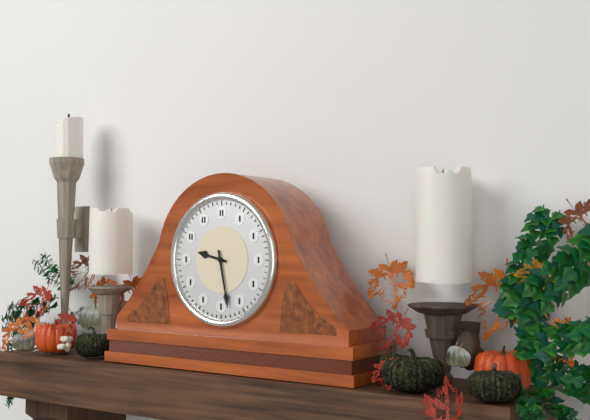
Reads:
9,28
